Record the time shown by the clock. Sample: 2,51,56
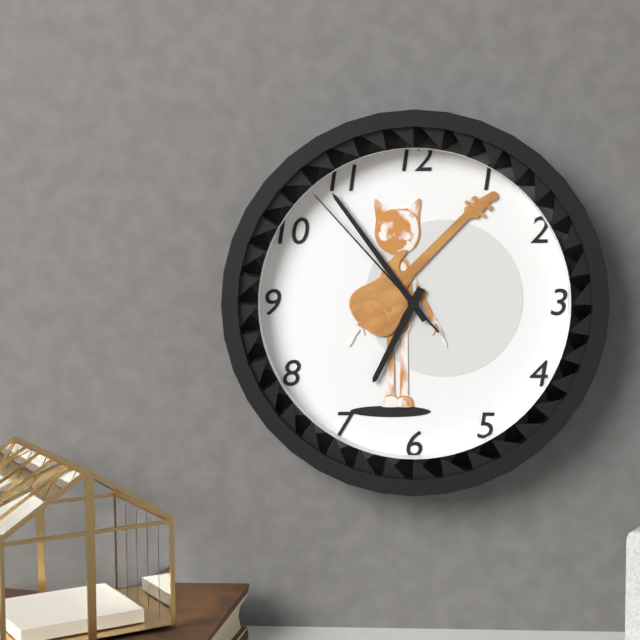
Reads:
6,54,53
